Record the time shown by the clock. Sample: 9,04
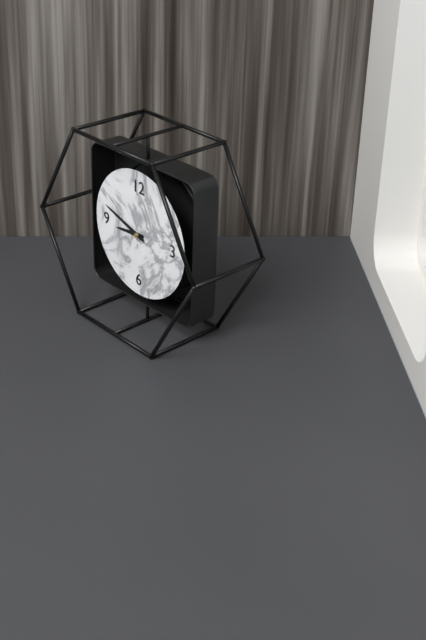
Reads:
8,48
